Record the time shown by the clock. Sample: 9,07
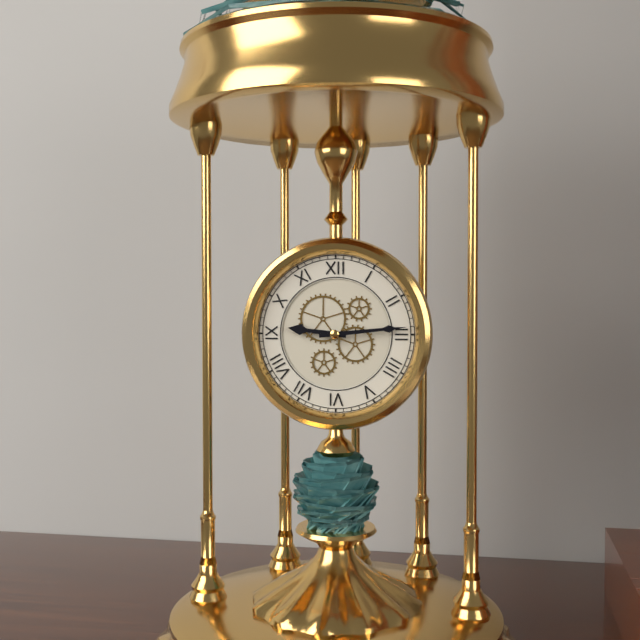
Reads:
9,14
